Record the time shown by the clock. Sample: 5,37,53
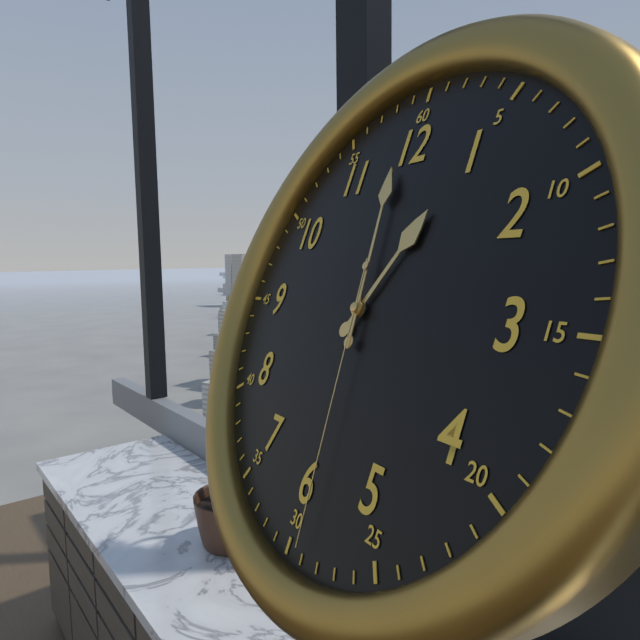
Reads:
12,59,29
